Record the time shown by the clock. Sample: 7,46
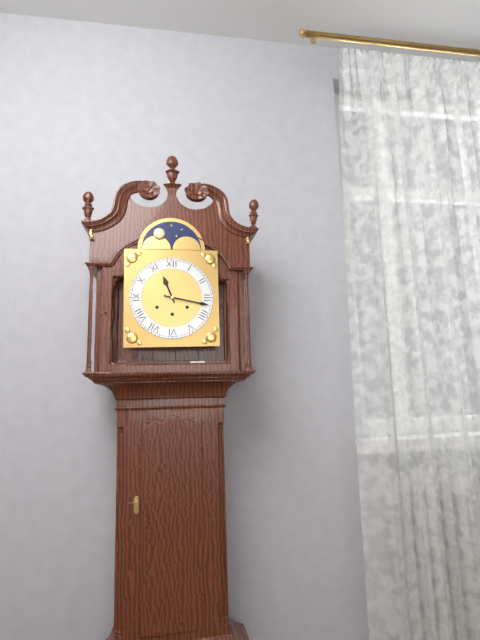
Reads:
11,17
